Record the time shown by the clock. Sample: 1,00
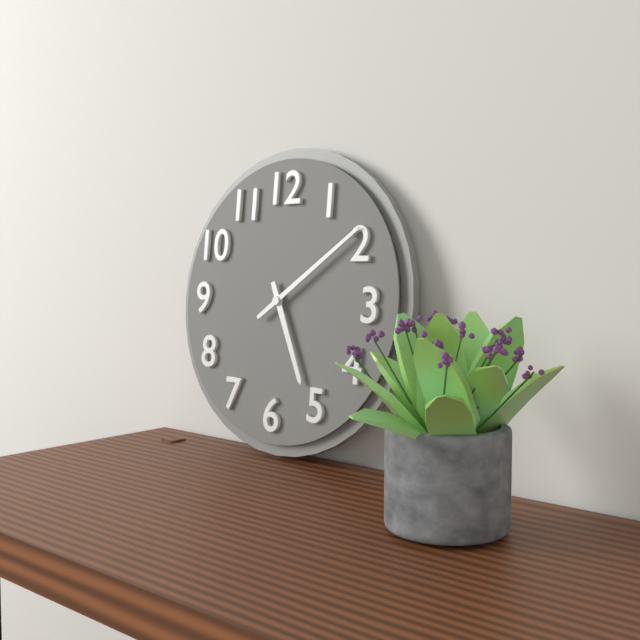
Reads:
5,09
